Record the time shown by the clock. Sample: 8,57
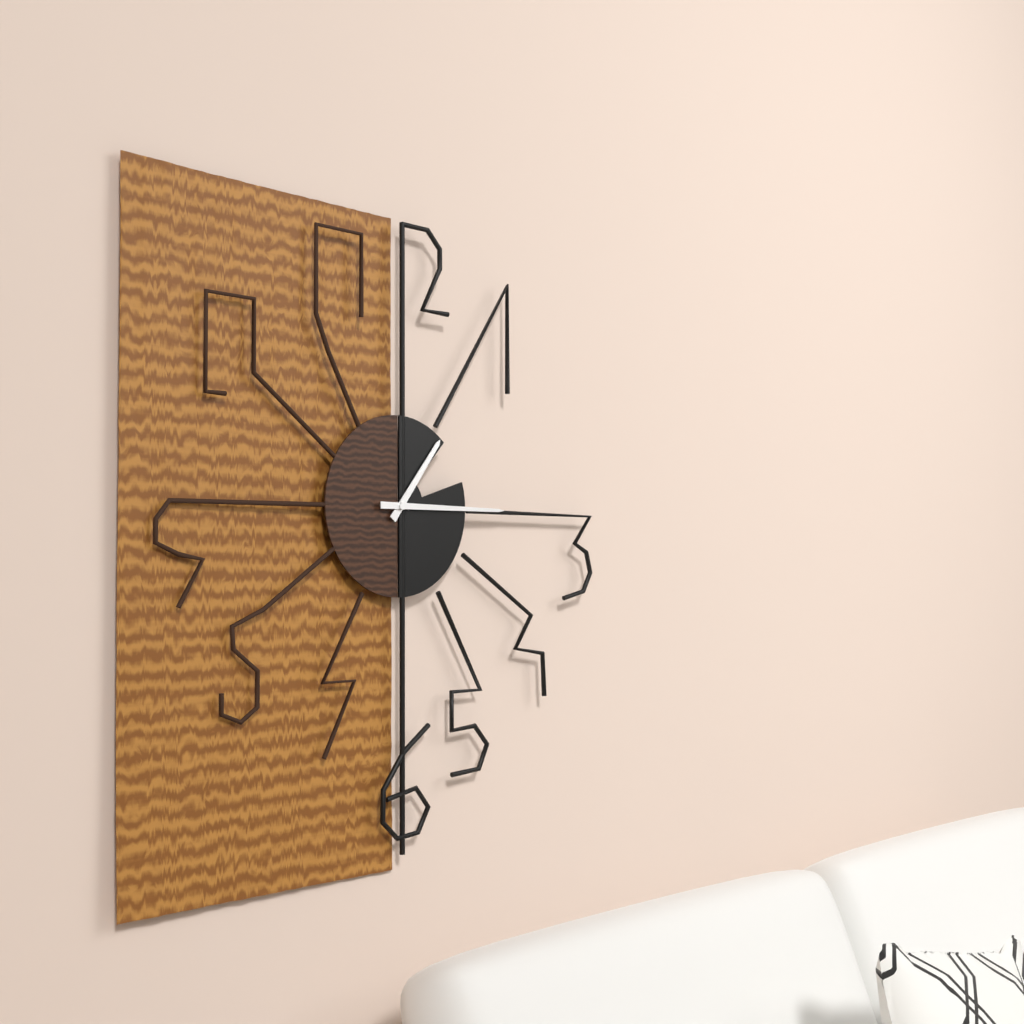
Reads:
1,15
